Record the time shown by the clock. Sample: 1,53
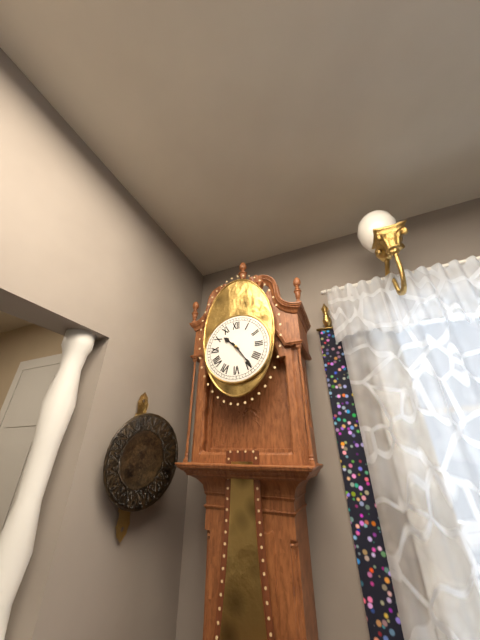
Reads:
10,24
